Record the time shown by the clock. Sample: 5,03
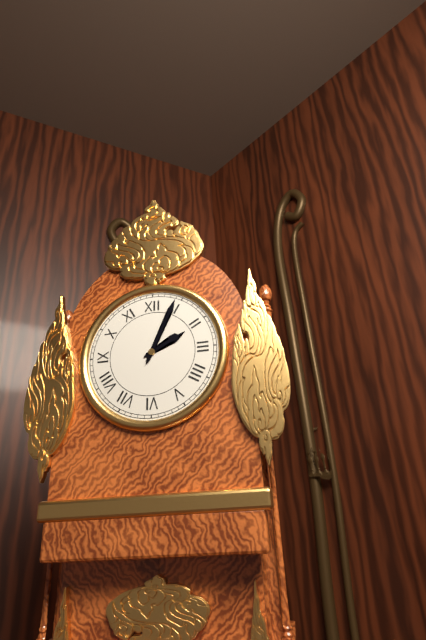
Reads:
2,04
